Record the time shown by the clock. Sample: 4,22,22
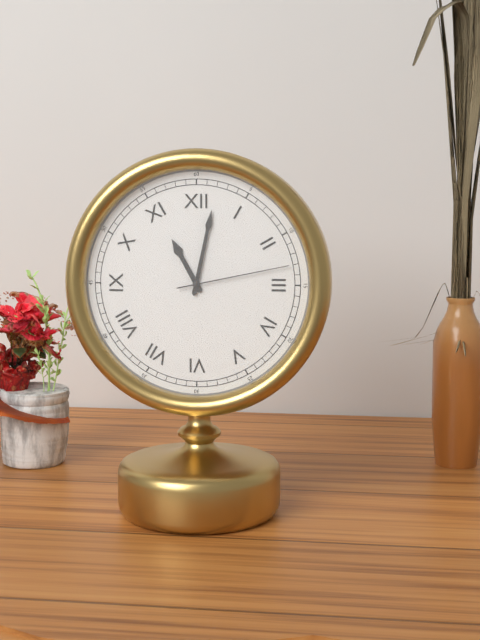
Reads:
11,02,13
